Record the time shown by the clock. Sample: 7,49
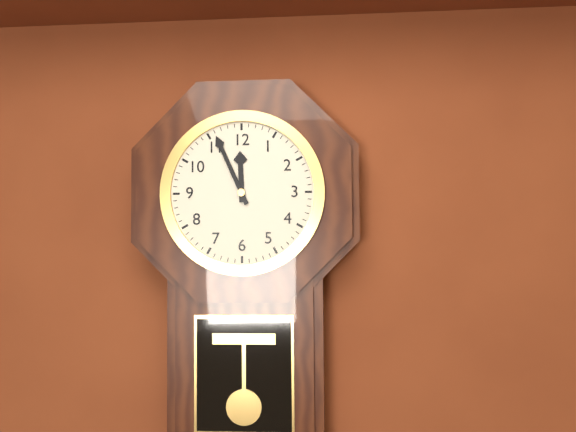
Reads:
11,56
